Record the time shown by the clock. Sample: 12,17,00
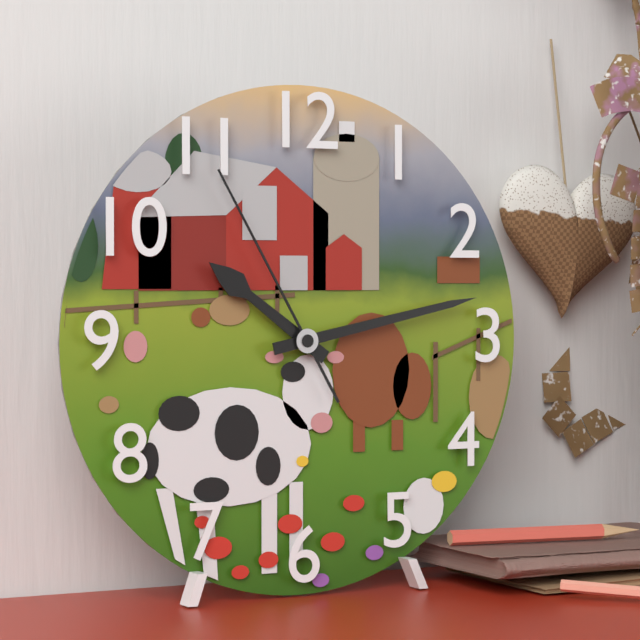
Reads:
10,13,55
